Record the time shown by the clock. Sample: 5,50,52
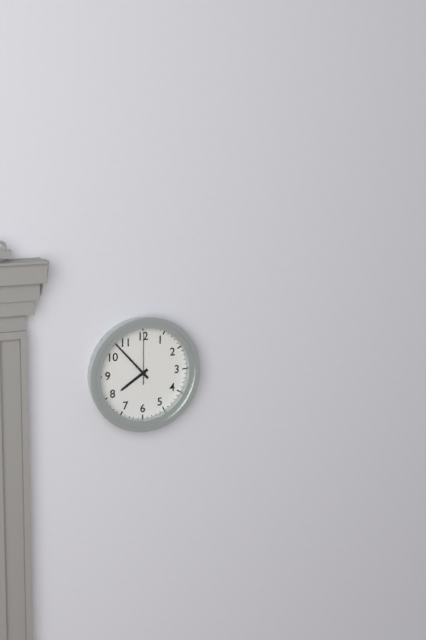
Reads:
7,53,00
